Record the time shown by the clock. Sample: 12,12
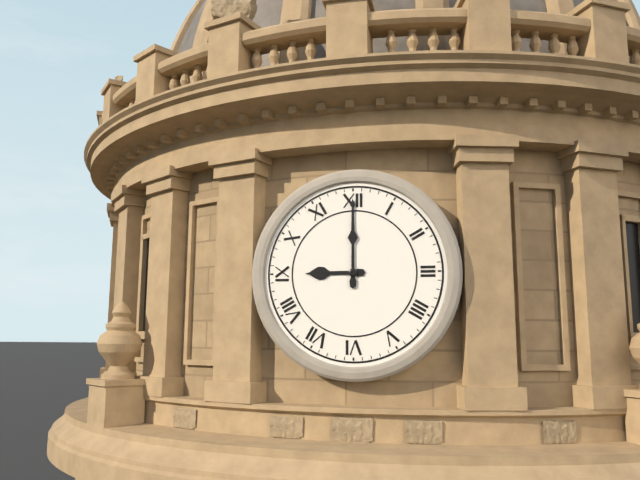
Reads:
9,00
